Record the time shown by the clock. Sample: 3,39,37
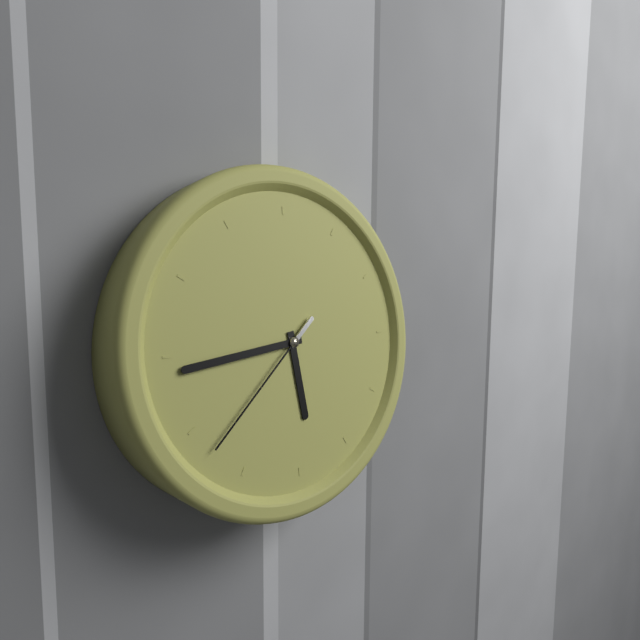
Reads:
5,44,38
